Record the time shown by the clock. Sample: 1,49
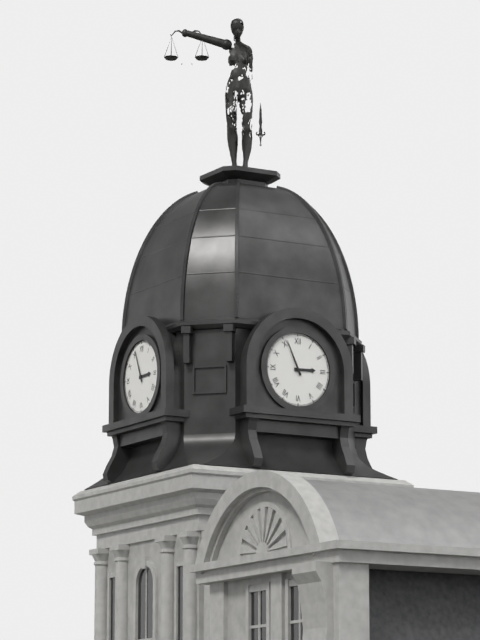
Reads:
2,56
